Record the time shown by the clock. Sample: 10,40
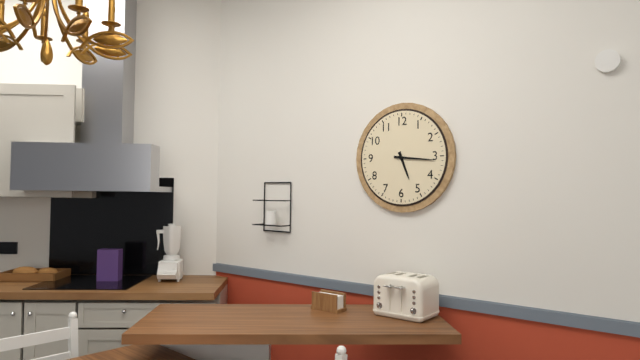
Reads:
5,16
